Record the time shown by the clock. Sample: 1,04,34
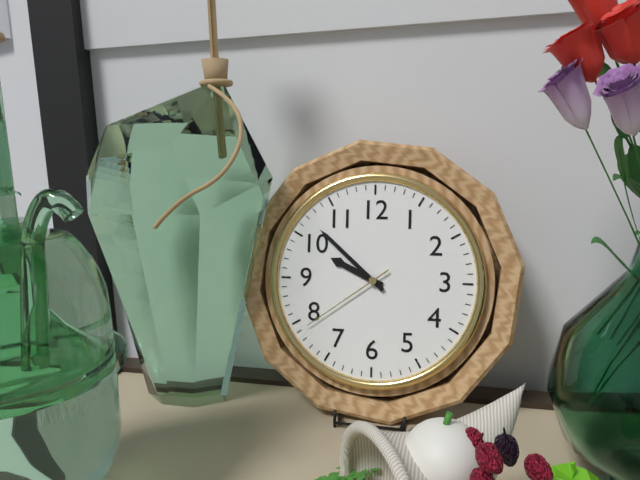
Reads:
9,52,39
